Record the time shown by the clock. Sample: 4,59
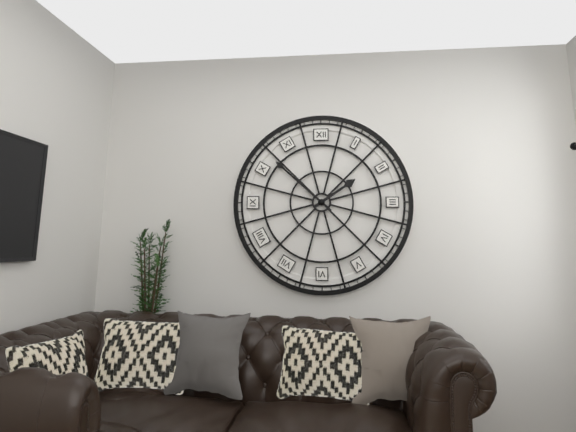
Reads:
1,52
